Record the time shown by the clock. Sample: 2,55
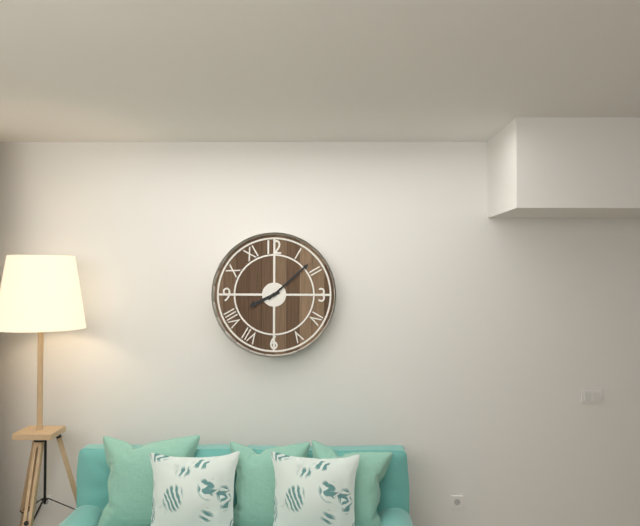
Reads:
8,08
